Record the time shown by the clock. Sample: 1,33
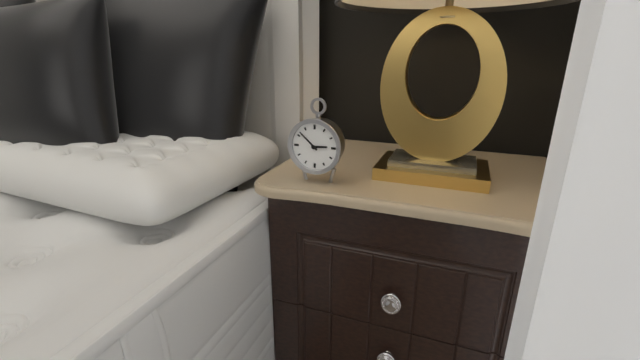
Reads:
2,52
